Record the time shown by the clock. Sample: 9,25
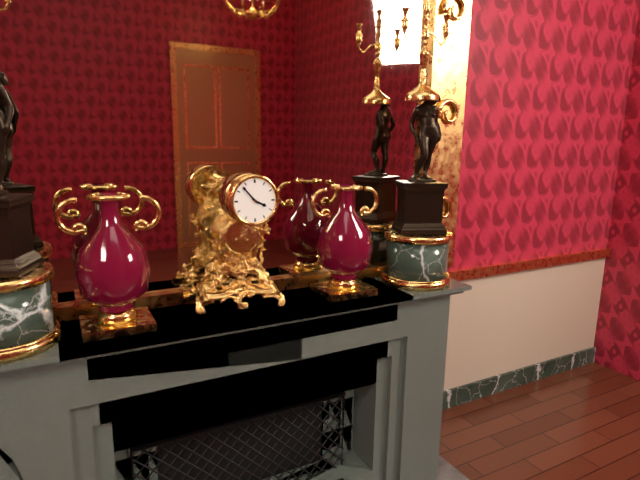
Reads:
3,53
